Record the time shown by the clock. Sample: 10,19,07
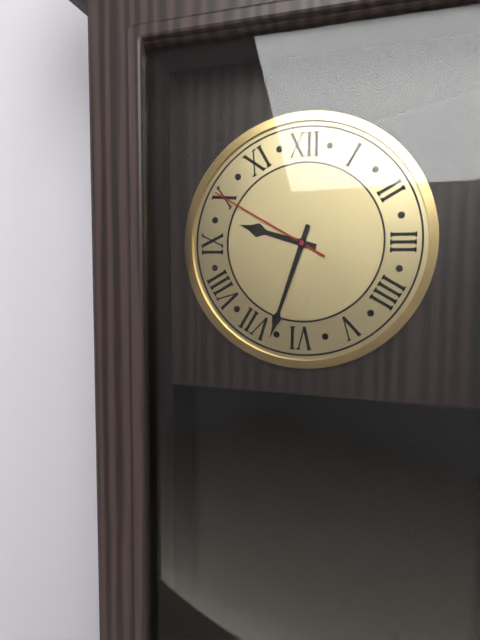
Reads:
9,33,50
